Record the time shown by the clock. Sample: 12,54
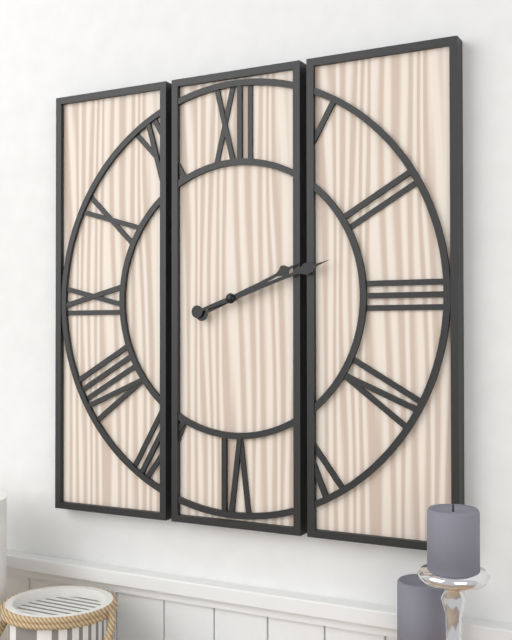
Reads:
2,12
